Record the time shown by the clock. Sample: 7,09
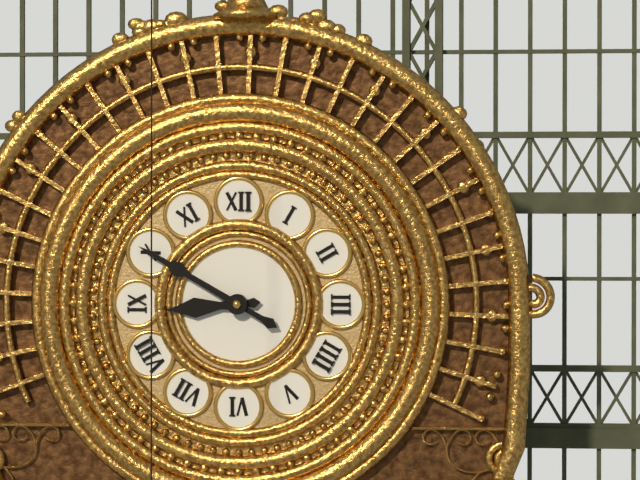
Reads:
8,50
